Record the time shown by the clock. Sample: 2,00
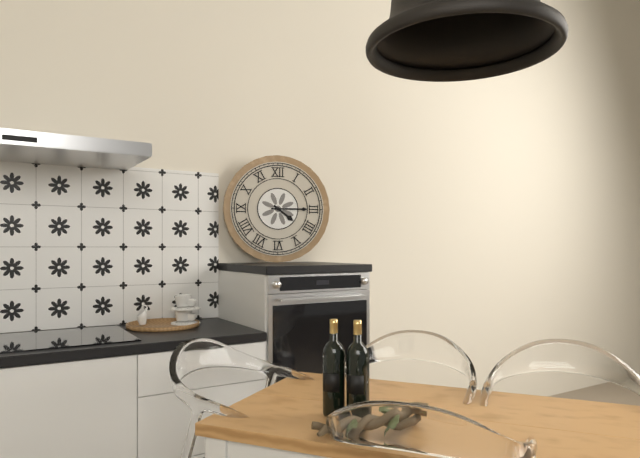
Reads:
4,15
